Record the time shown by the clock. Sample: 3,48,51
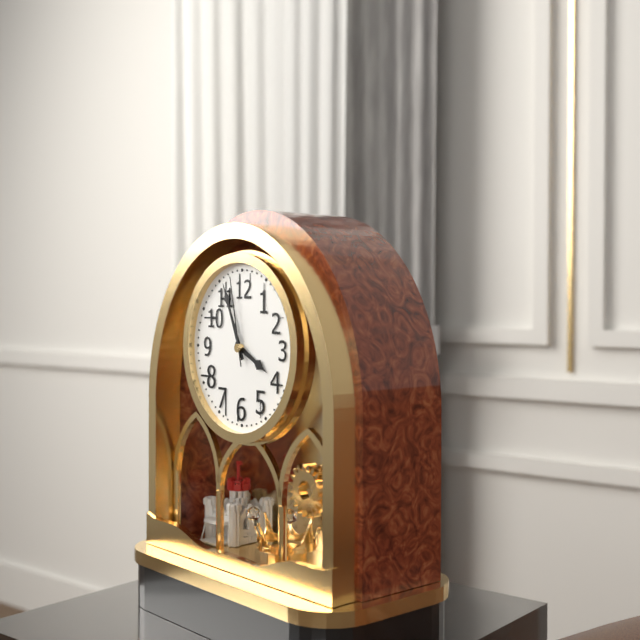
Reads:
3,56,58
